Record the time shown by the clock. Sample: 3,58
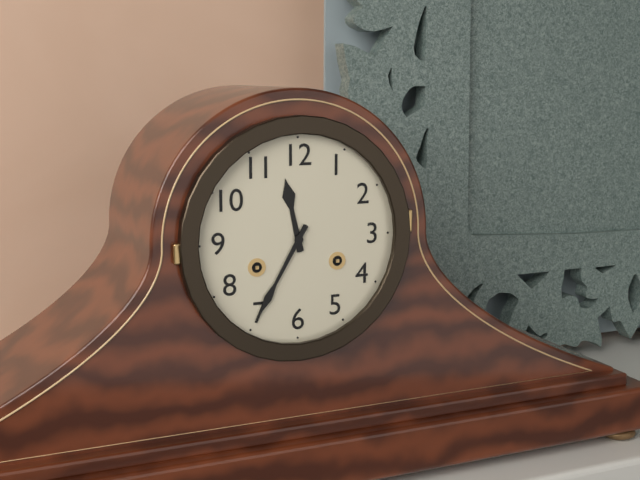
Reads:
11,35
